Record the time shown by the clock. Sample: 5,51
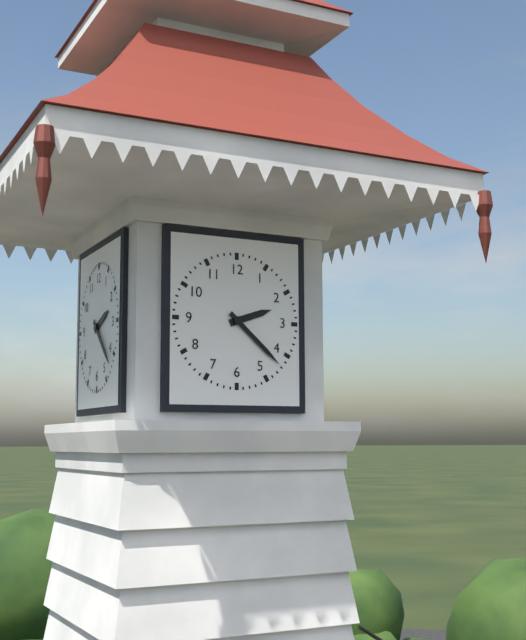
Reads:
2,22
